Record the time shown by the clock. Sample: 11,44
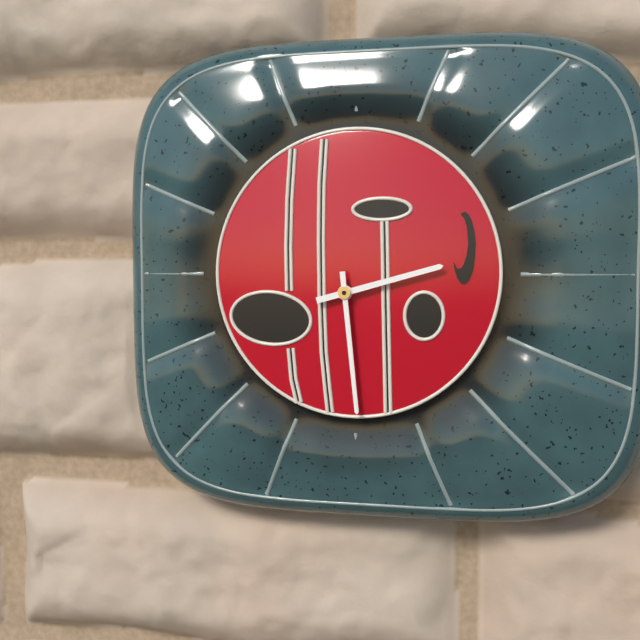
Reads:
2,29
